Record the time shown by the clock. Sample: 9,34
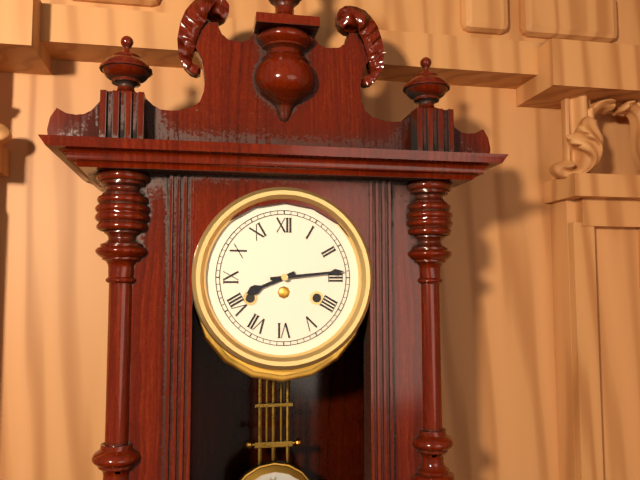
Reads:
8,14
